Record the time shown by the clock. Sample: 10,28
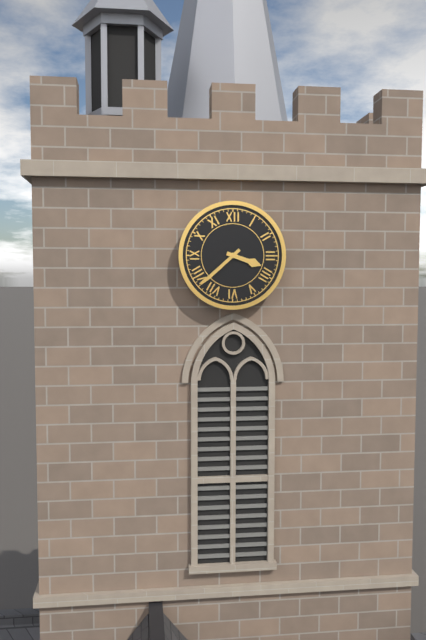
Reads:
3,38
